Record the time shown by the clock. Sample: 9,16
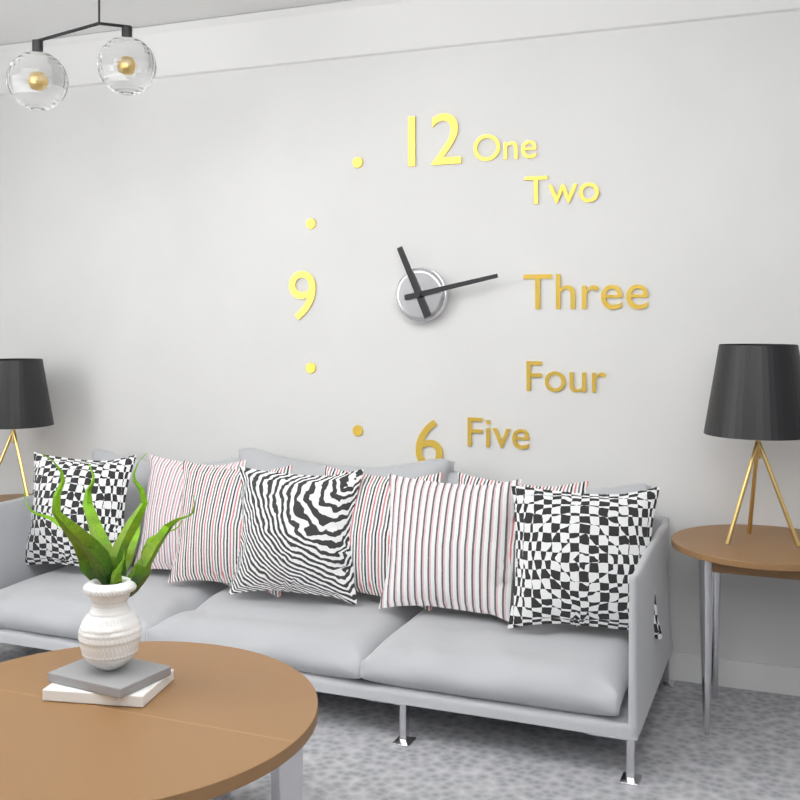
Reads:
11,13
